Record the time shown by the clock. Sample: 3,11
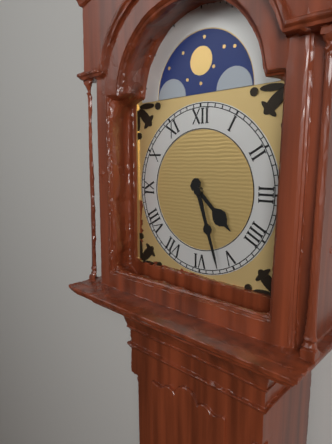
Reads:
4,27
